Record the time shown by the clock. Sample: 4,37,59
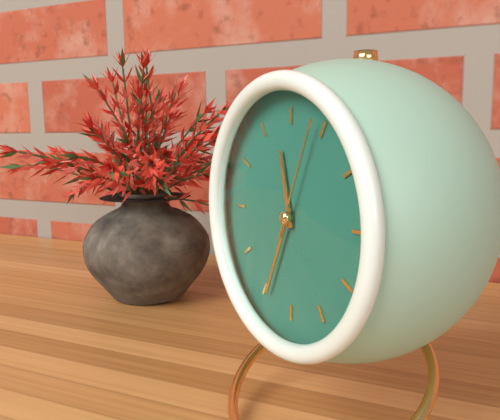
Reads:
11,34,04
